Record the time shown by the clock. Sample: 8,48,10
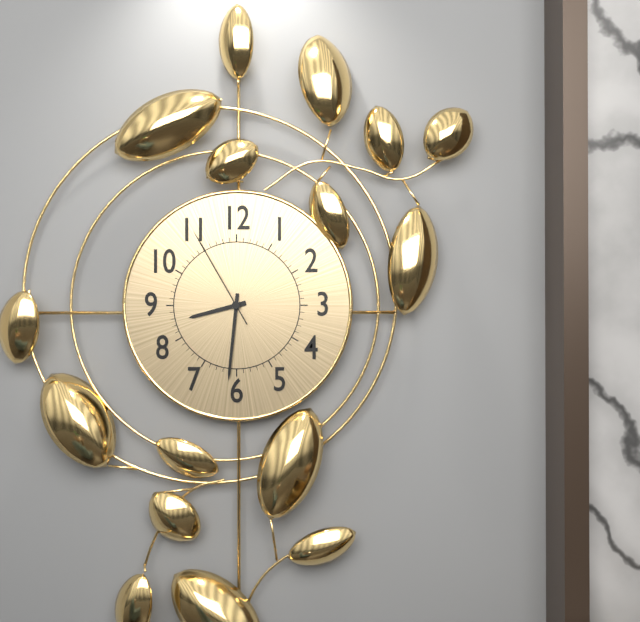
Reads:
8,31,55
